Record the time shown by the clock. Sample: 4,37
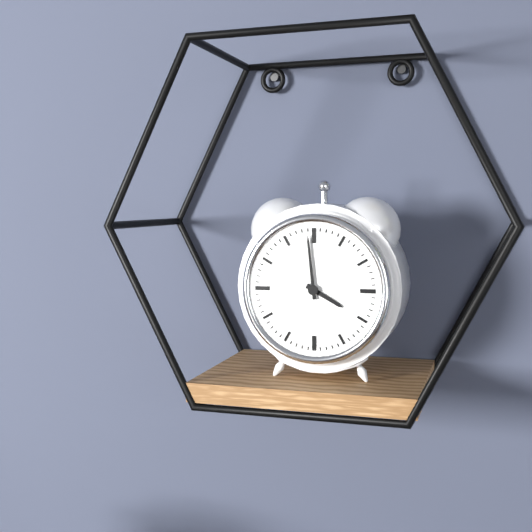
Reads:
3,59
